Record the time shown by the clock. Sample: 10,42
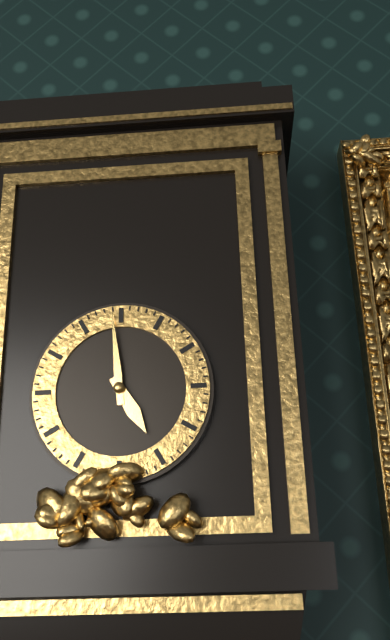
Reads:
4,59
